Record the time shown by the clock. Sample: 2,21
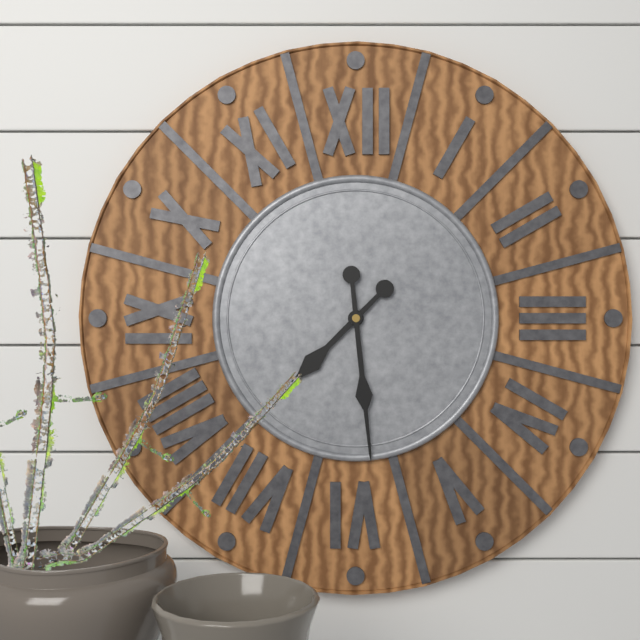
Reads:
7,29
